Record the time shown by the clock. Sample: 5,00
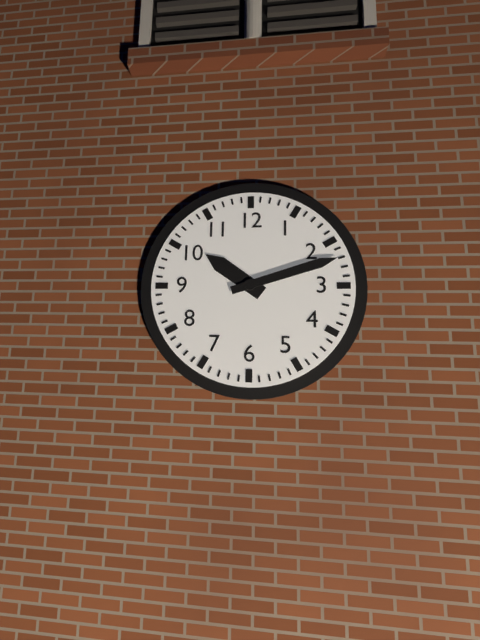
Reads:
10,12
